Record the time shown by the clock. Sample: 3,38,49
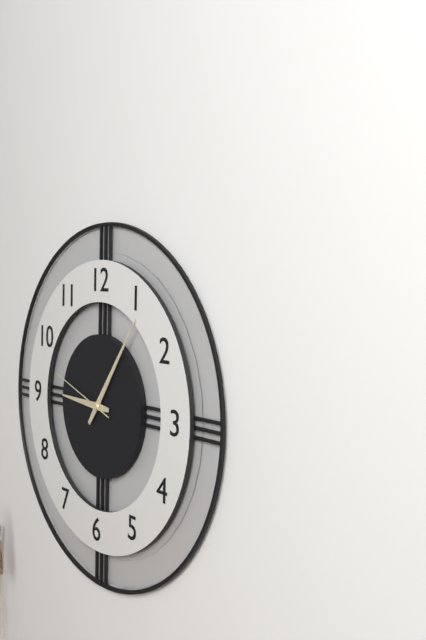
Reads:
9,06,48
